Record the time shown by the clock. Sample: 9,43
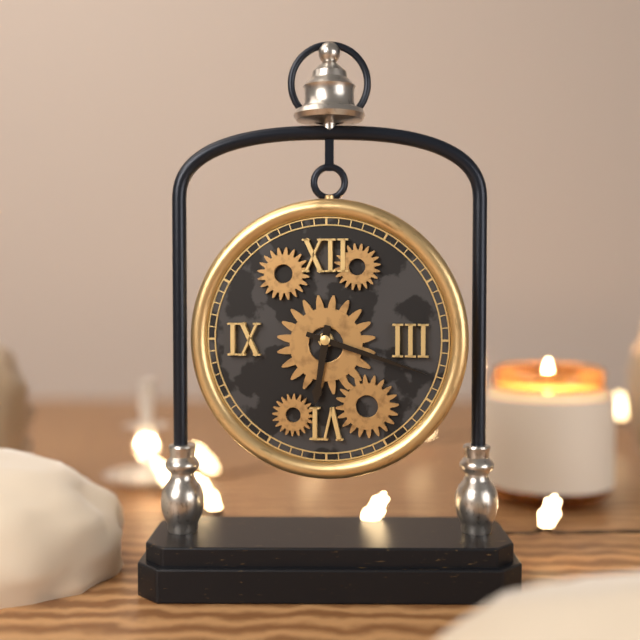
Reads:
6,18
